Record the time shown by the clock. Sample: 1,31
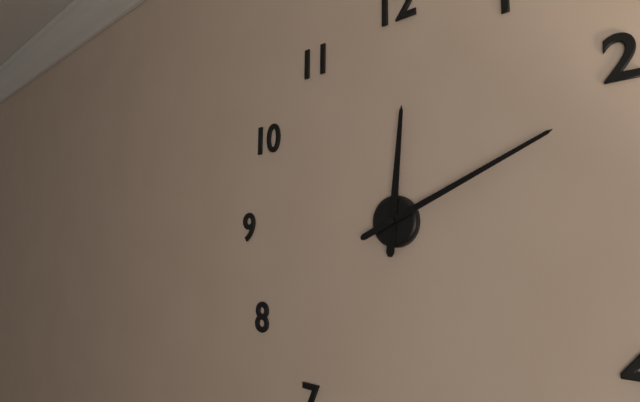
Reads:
12,11
